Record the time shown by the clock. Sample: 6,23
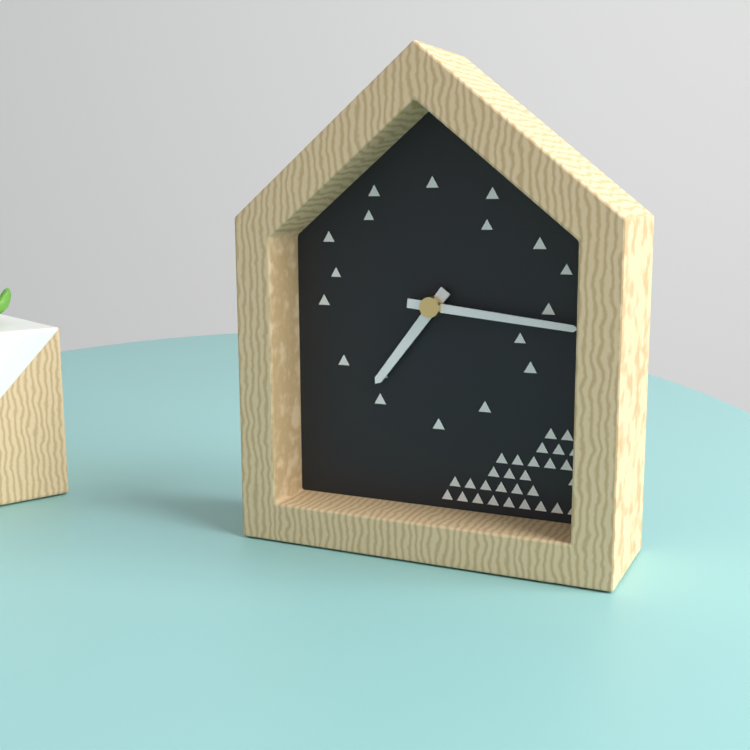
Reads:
7,16
